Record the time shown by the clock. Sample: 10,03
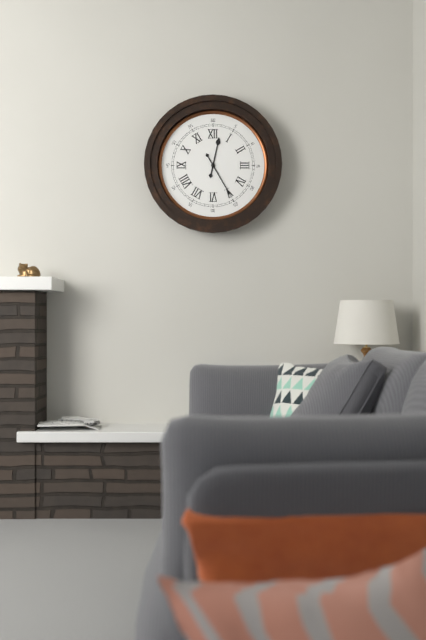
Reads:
12,25
